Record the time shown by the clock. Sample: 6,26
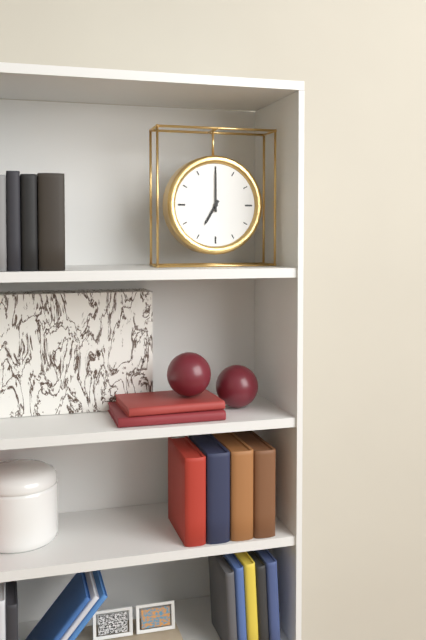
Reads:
7,00
